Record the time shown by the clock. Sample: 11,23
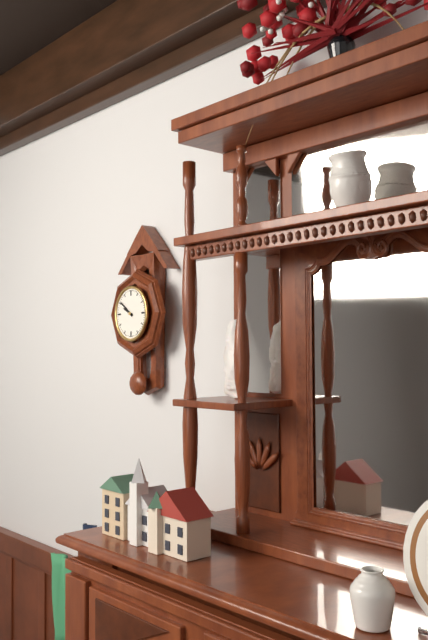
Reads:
9,51
